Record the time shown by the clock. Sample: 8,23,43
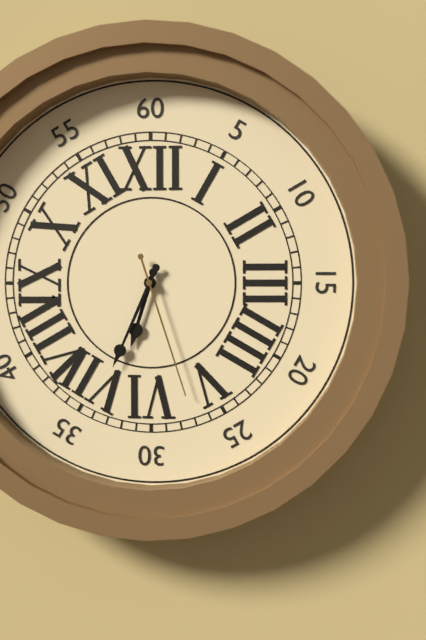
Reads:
6,34,27
